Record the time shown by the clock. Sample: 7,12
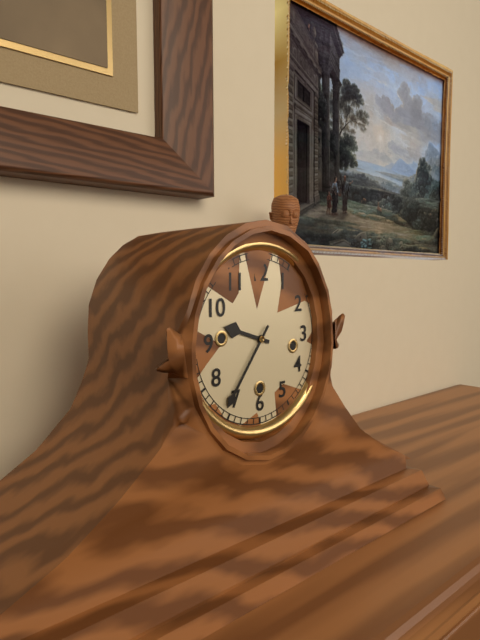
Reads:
9,36
